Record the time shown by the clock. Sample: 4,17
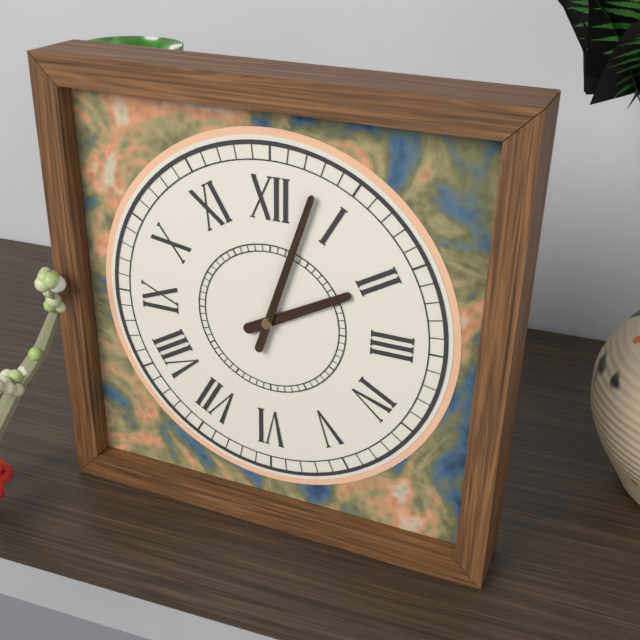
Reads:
2,03
